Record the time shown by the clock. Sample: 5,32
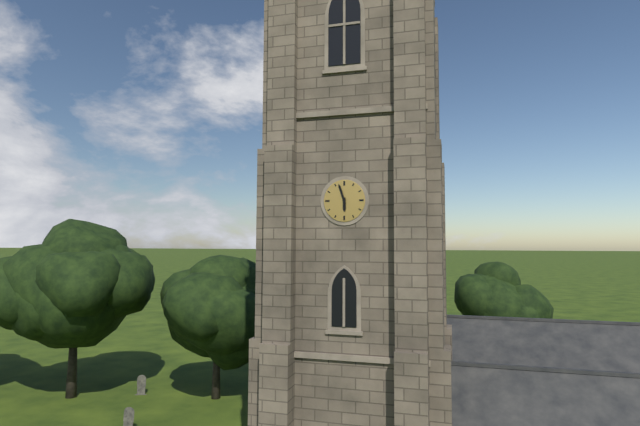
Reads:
5,57
